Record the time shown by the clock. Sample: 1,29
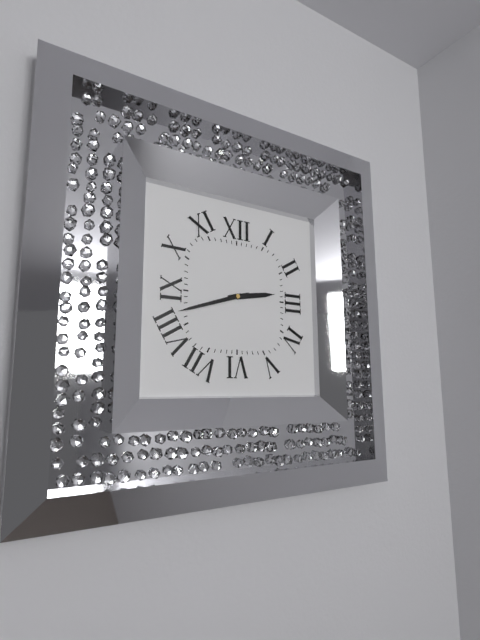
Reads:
2,42
